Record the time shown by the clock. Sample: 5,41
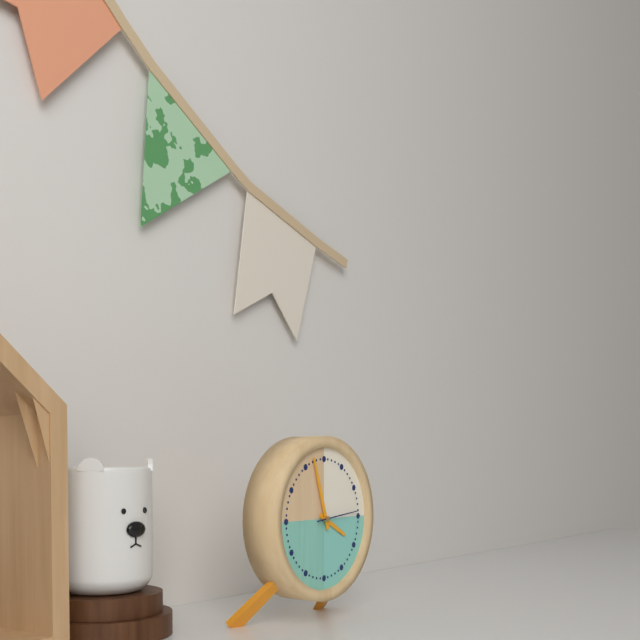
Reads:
3,57
